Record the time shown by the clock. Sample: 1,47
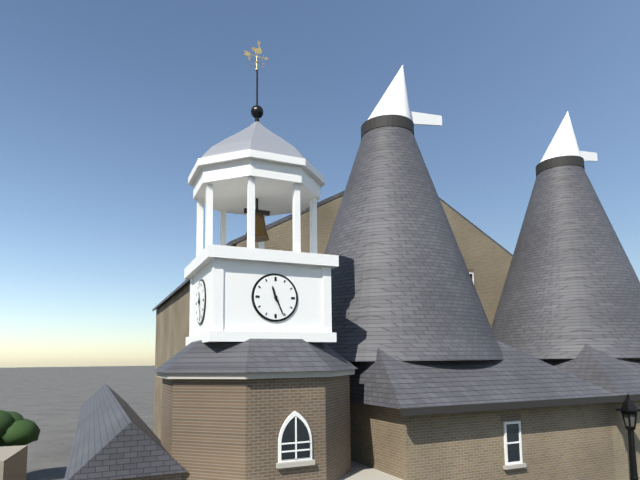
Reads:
11,26
